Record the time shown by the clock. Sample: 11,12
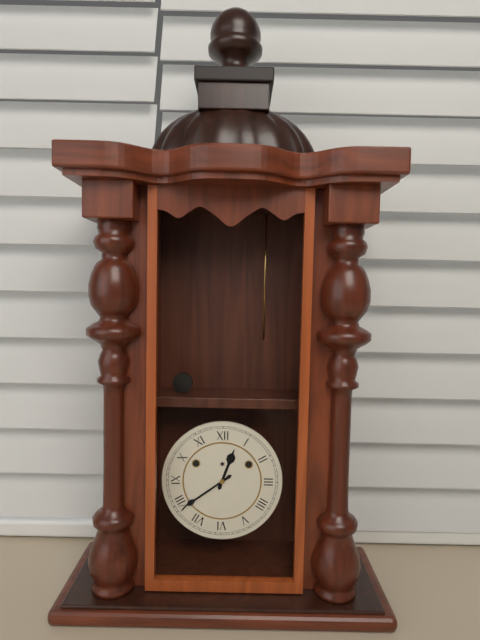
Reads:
12,39
